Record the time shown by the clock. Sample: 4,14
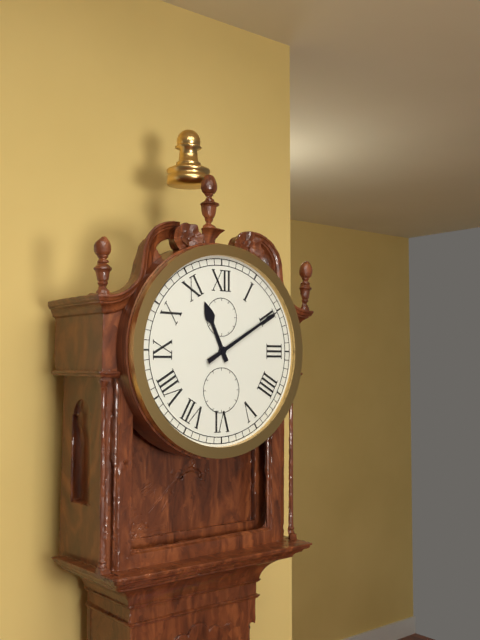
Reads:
11,10
